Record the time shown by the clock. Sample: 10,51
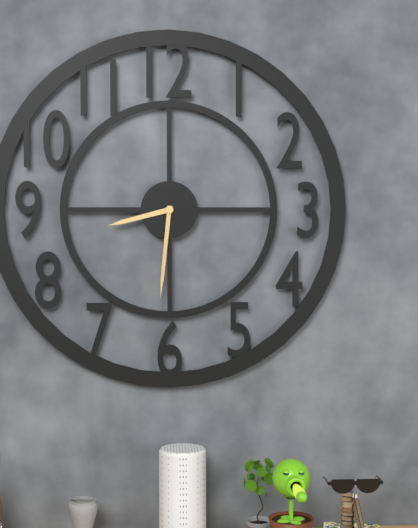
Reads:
8,31
